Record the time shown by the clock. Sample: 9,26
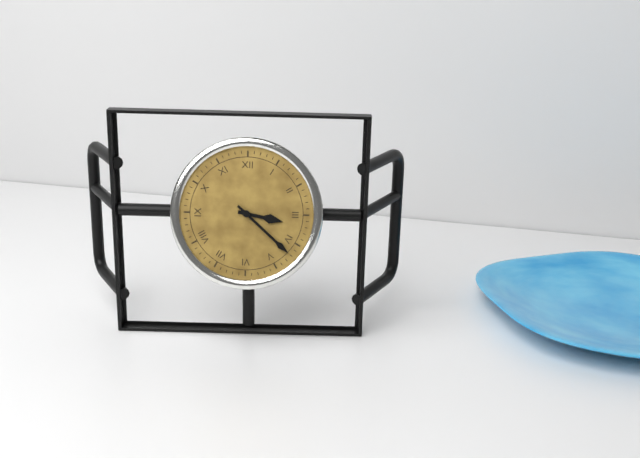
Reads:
3,22
